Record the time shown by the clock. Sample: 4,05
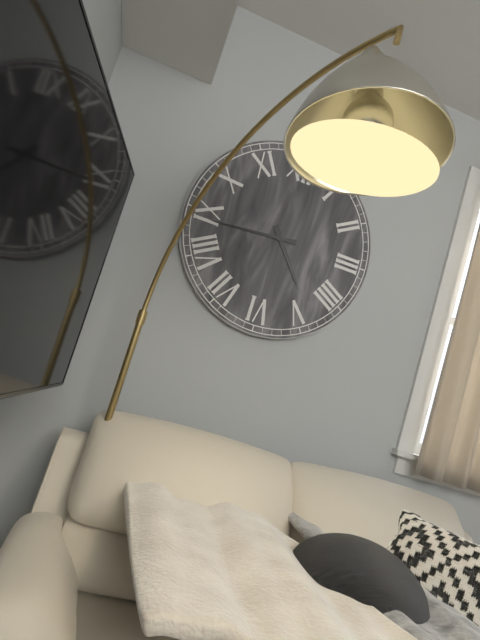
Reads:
4,44
